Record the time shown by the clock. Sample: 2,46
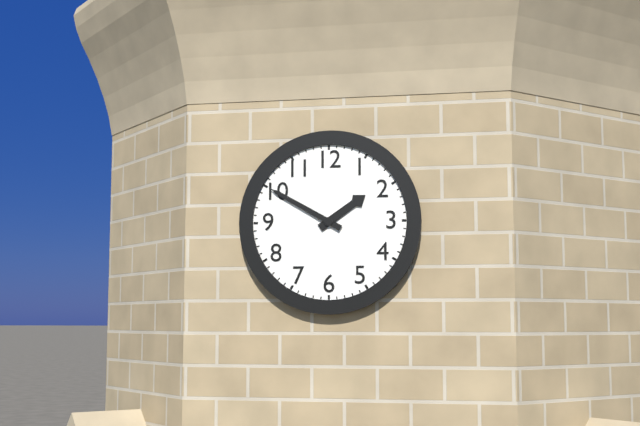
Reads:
1,50
